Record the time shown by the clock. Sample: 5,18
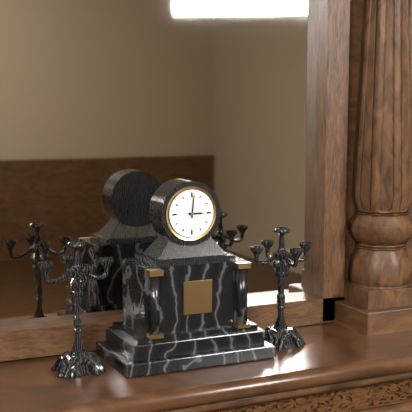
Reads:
3,01
